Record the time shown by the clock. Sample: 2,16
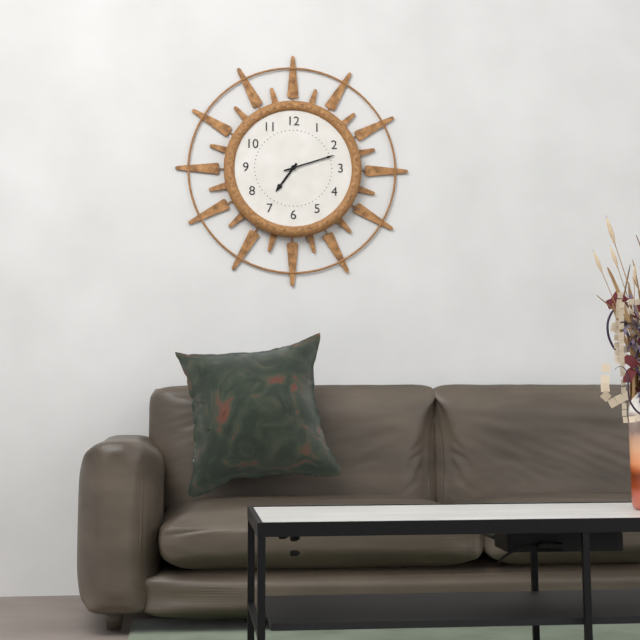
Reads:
7,12
